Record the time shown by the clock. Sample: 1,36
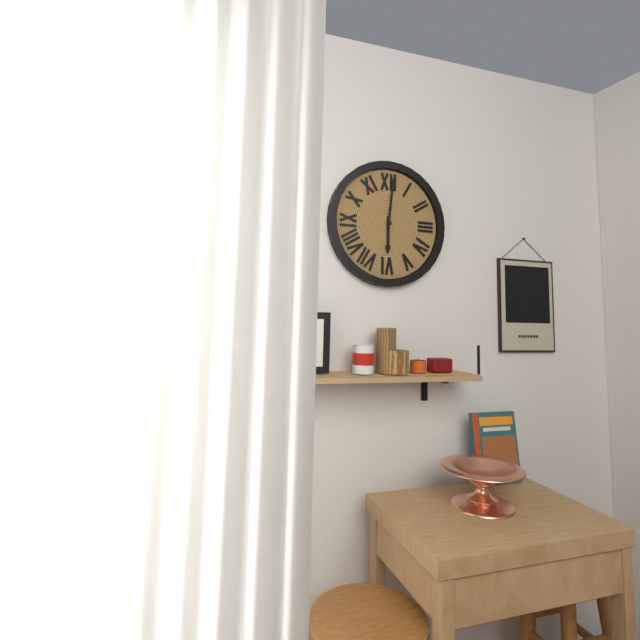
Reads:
6,01
